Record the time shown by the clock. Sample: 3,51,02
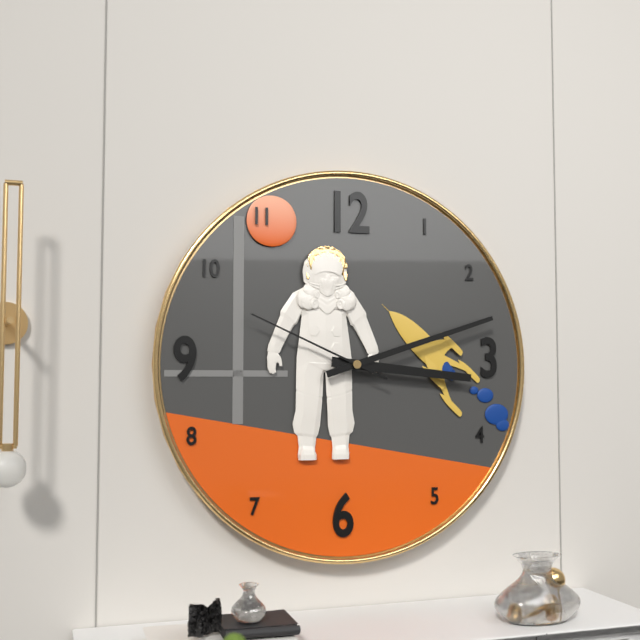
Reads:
3,12,49
